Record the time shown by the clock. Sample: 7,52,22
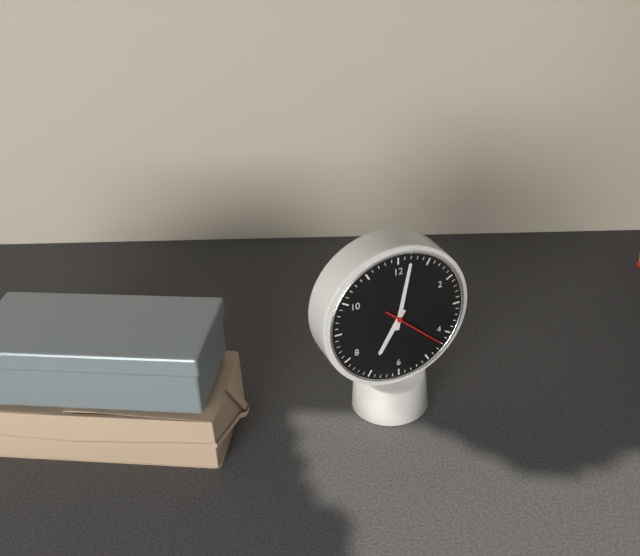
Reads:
7,02,22
